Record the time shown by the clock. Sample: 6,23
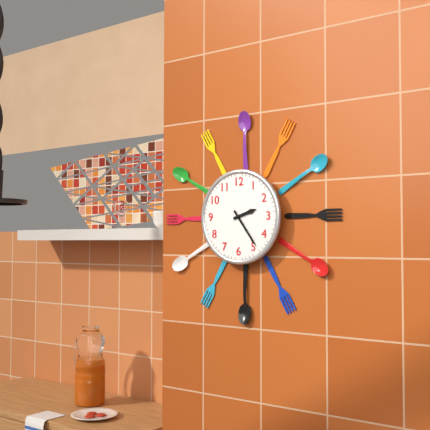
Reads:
2,24
